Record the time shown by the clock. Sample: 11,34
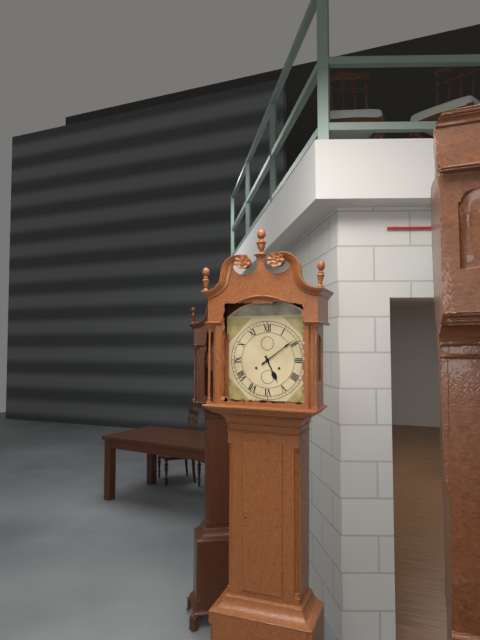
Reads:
5,09
